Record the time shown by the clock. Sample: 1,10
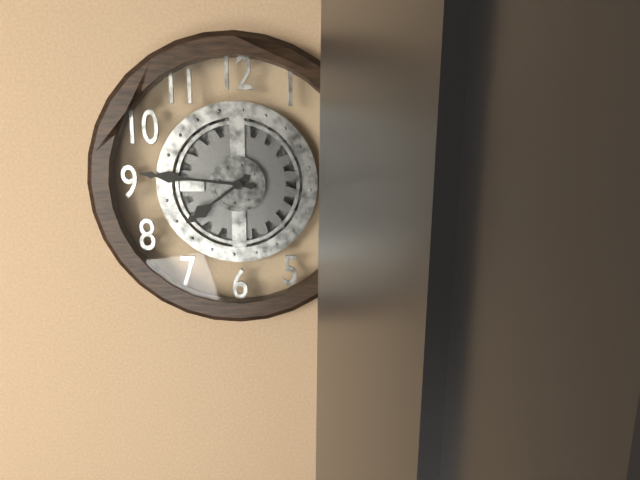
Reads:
7,46
